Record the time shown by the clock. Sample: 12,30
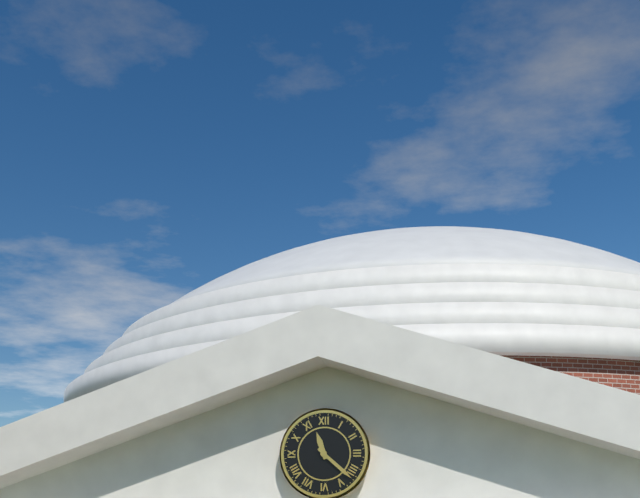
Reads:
11,22
